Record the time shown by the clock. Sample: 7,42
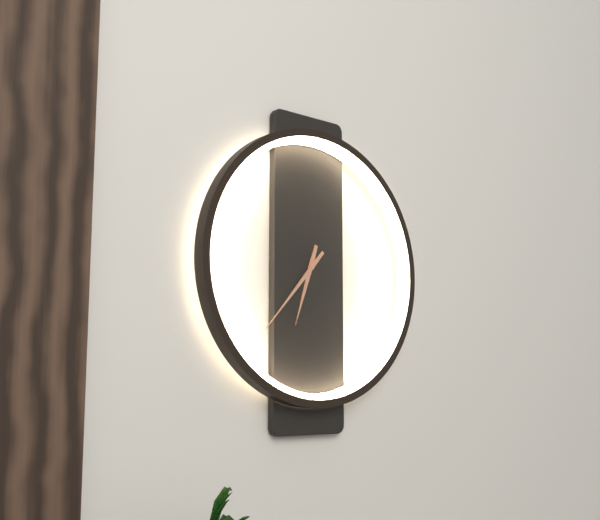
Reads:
6,37
